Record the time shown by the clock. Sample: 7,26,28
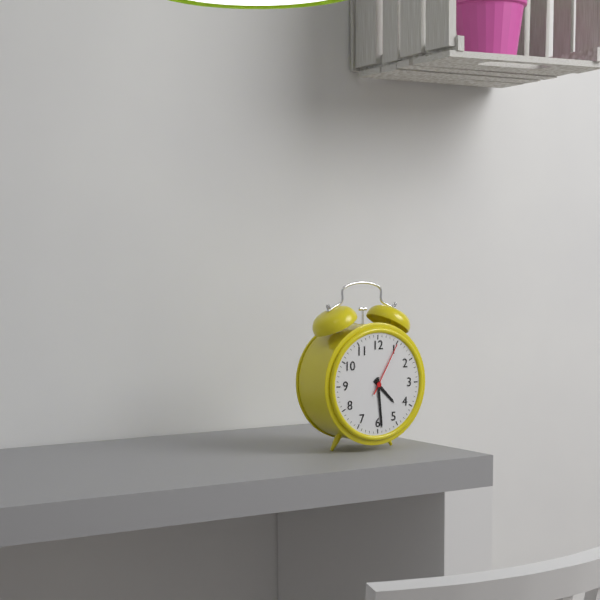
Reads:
4,29,05
